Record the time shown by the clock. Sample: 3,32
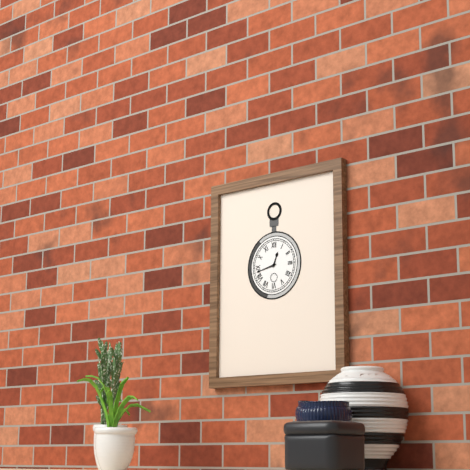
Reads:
12,43
